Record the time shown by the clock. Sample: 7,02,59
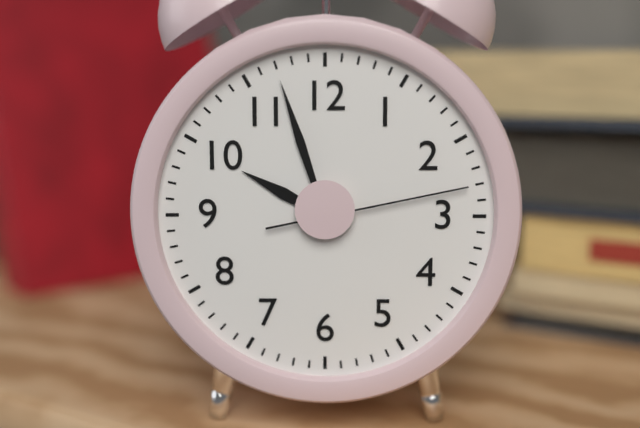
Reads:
9,57,13
